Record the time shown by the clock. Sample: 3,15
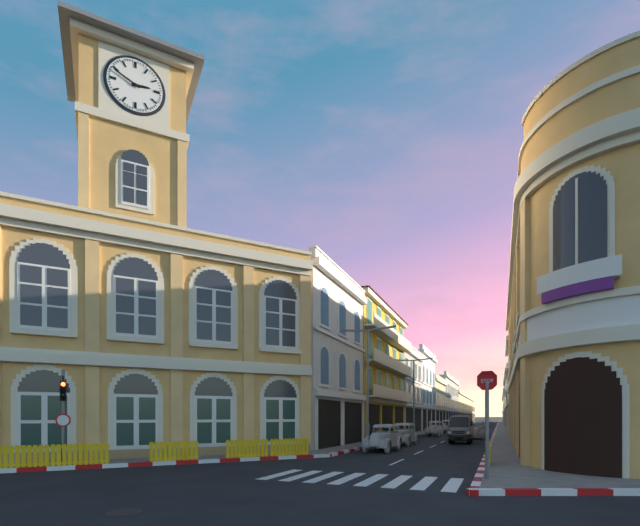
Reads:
2,49
